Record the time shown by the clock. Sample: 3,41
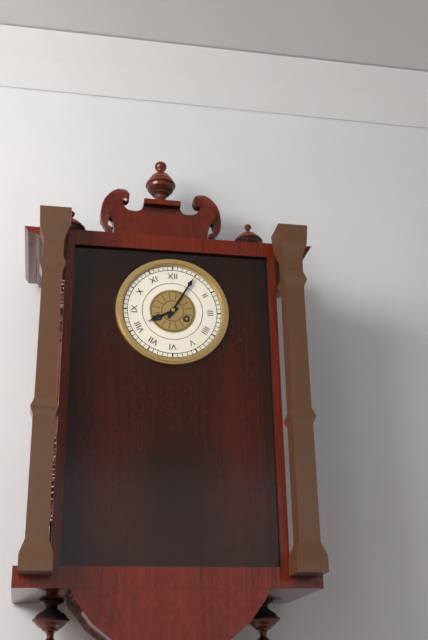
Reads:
8,05
